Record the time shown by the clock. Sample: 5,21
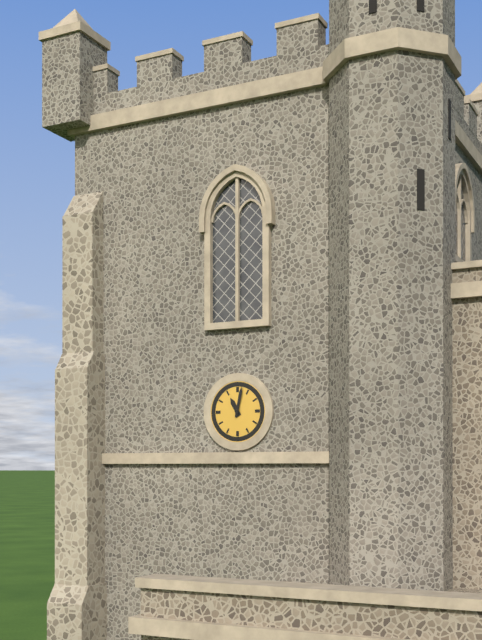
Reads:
11,02
